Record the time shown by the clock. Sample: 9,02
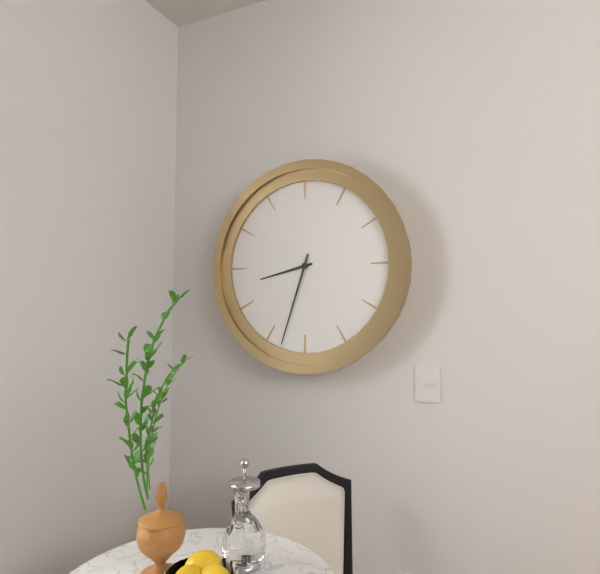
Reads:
8,33
